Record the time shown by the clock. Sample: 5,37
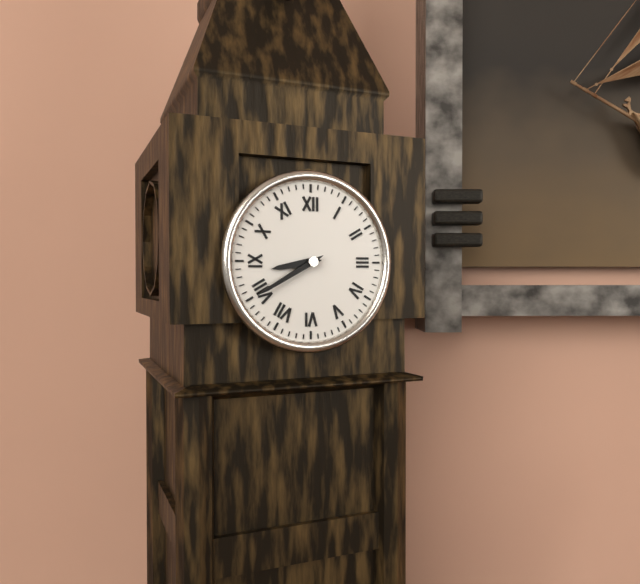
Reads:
8,40
